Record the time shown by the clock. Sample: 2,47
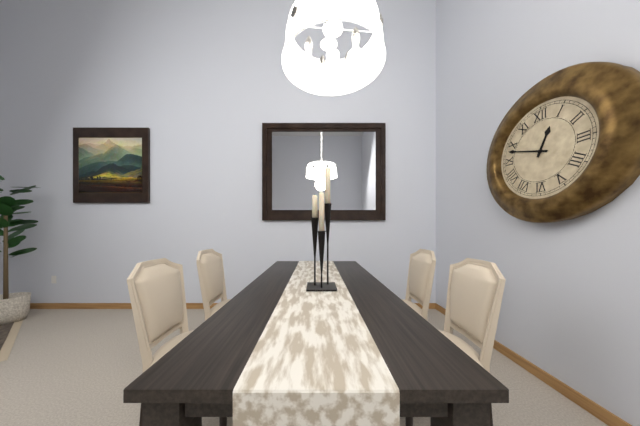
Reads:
12,48
